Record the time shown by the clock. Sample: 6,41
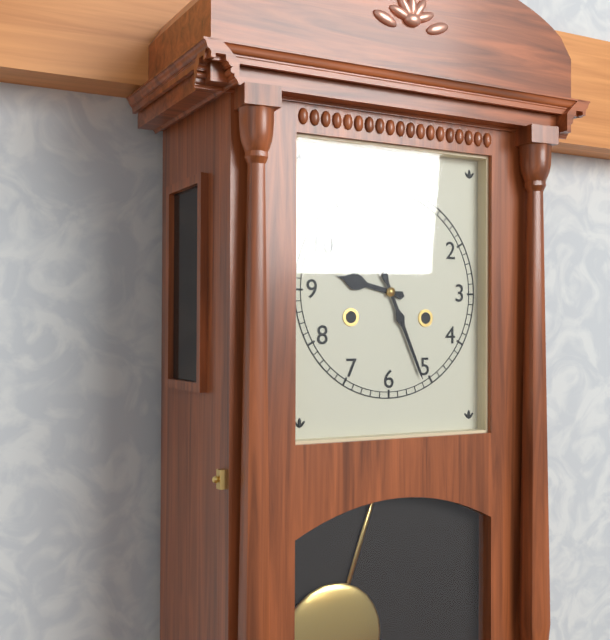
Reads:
9,26
